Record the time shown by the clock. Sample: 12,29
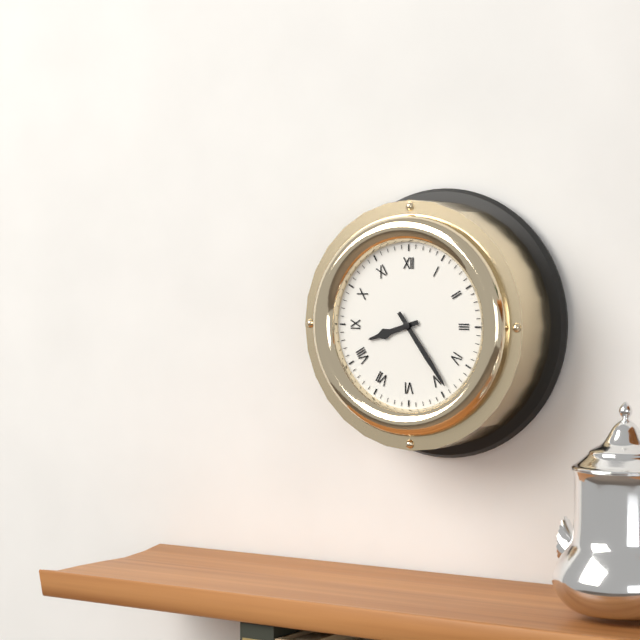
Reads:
8,24
